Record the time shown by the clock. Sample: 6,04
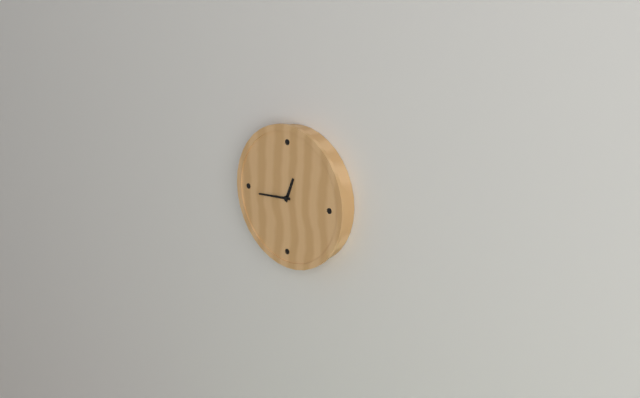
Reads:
12,44
